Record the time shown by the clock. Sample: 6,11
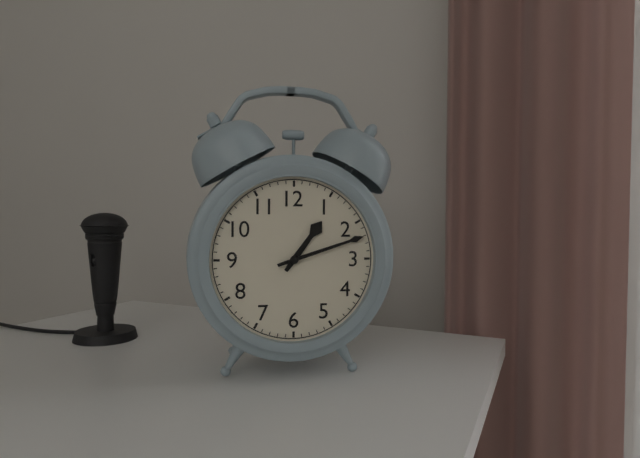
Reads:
1,12
